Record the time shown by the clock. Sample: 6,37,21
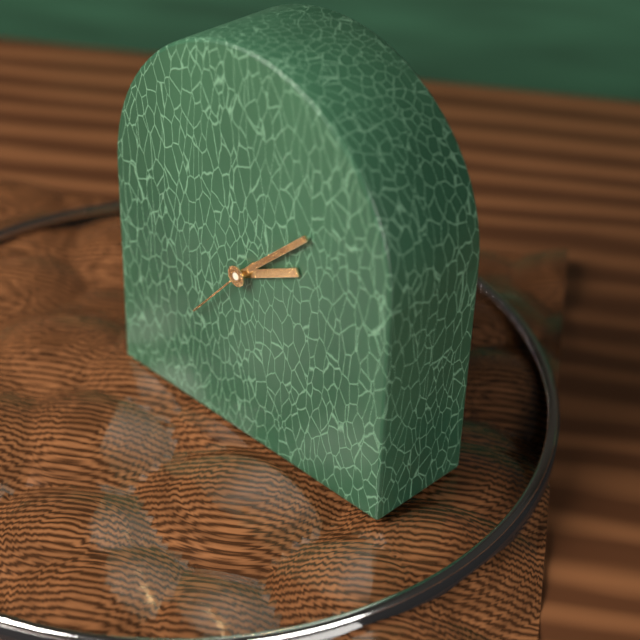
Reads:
2,08,37
